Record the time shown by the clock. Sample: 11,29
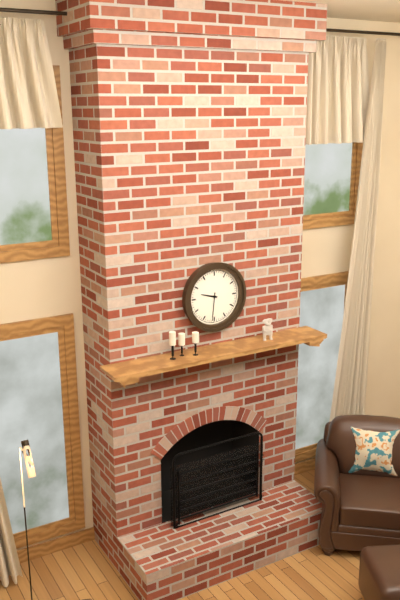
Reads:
9,31
